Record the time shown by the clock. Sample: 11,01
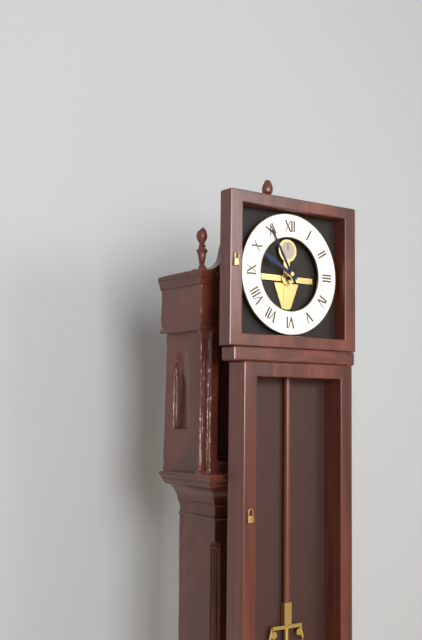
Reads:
9,55
